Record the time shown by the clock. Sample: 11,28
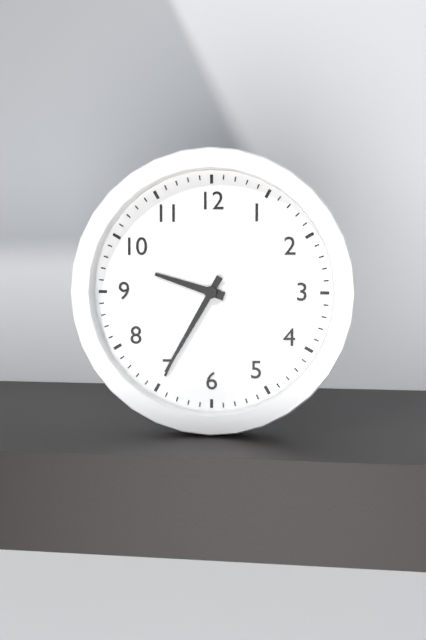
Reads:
9,35
